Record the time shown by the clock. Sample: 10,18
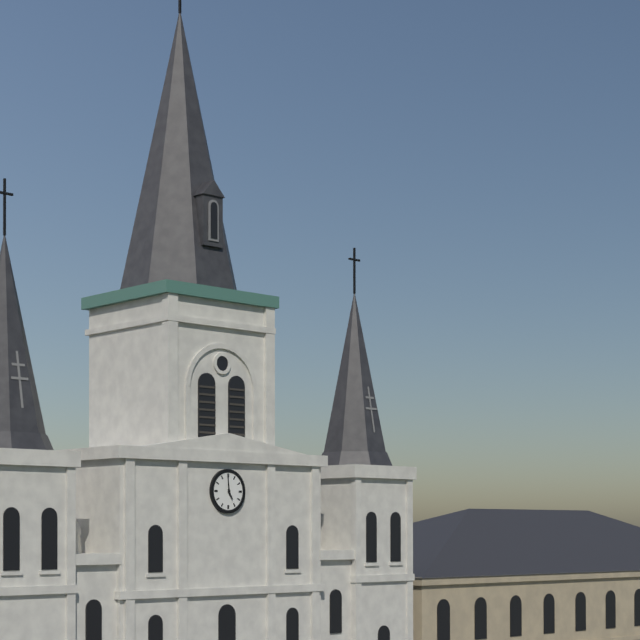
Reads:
4,59
